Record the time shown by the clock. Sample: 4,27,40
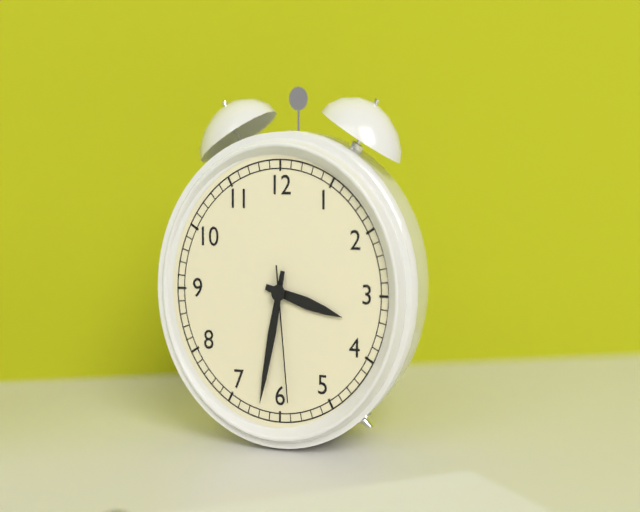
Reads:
3,32,29
